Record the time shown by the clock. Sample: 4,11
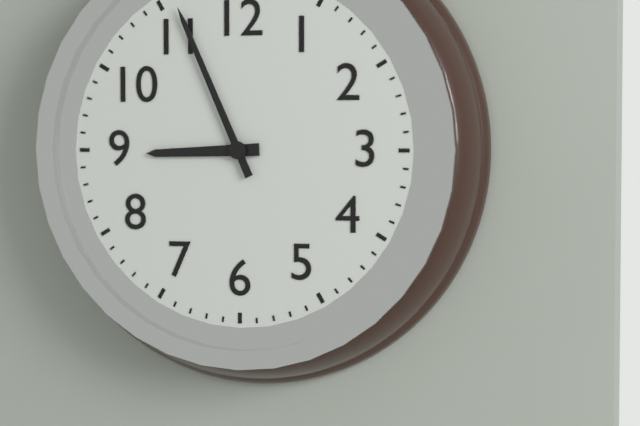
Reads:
8,56
